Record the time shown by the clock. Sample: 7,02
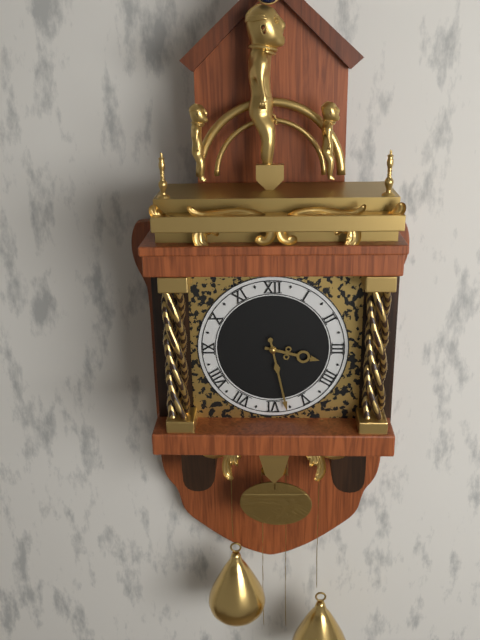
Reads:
3,28
